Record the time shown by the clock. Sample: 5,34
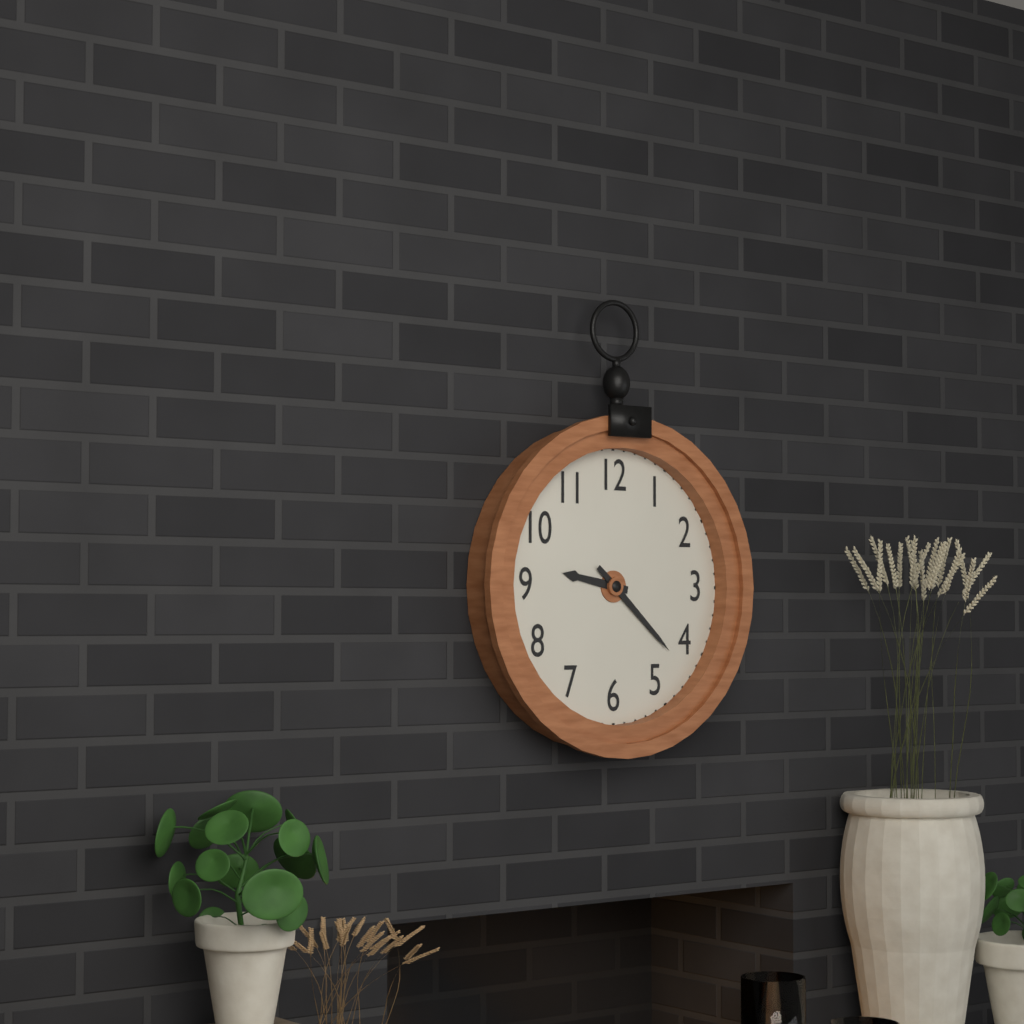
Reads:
9,22
